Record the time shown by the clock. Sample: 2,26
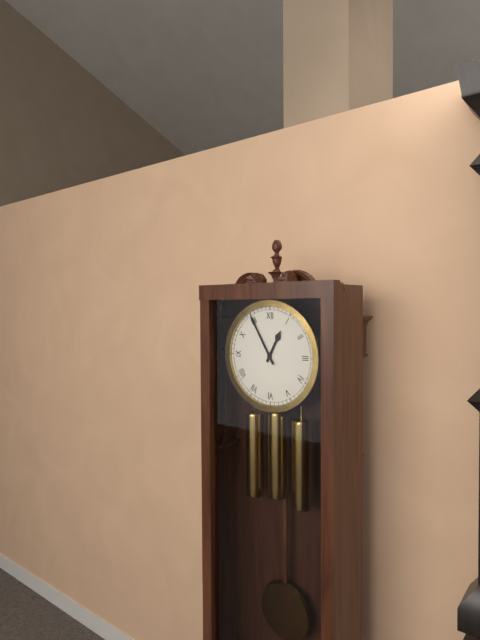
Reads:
12,55
